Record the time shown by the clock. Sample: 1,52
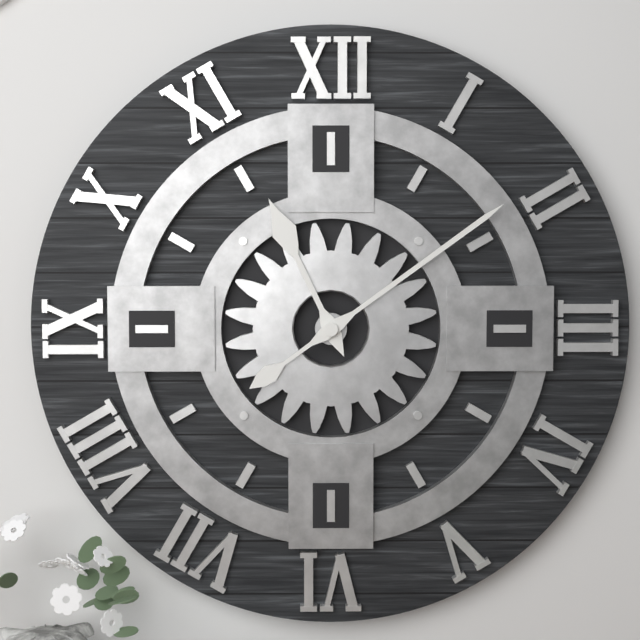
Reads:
11,09
